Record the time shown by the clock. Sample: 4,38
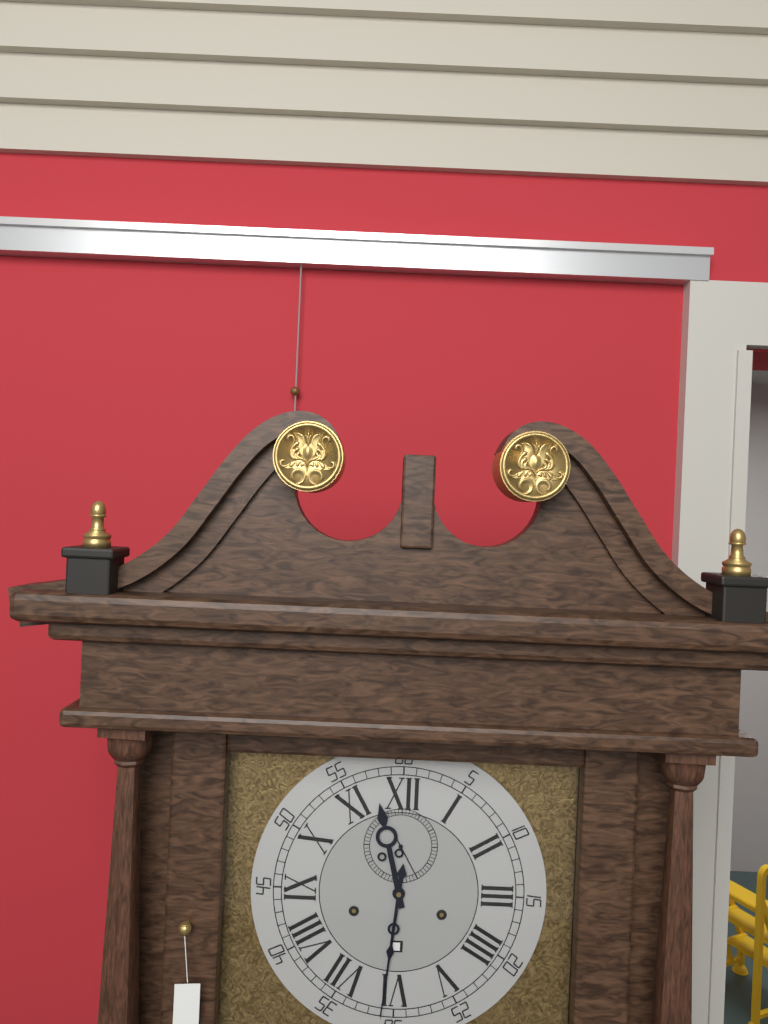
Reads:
11,31
